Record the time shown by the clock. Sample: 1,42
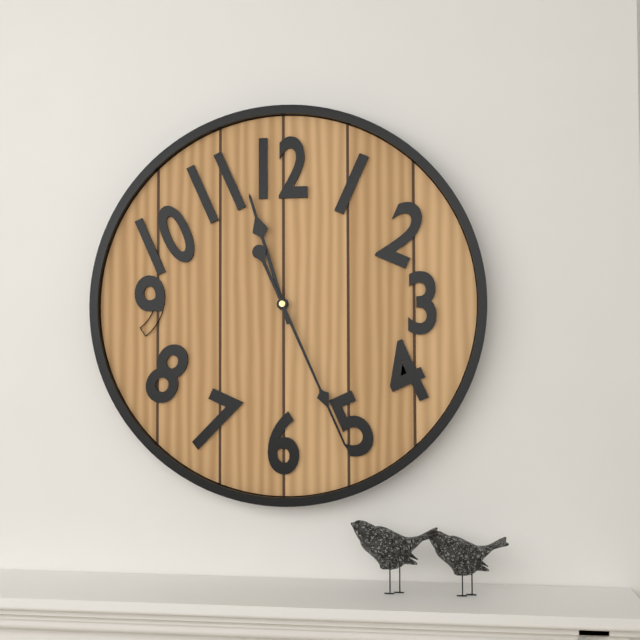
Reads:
11,26
